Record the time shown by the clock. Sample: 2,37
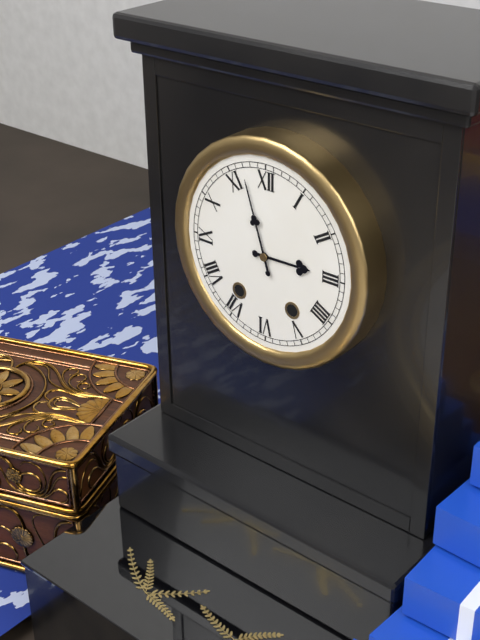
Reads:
2,57
